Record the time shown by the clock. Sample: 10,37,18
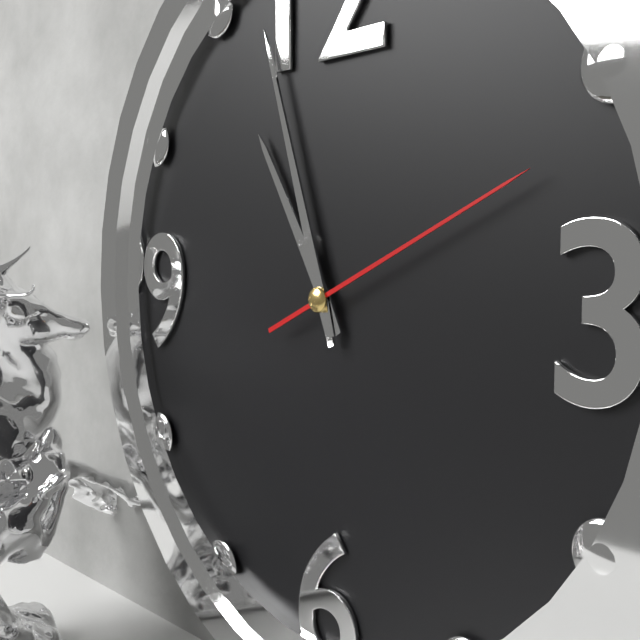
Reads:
10,57,11
